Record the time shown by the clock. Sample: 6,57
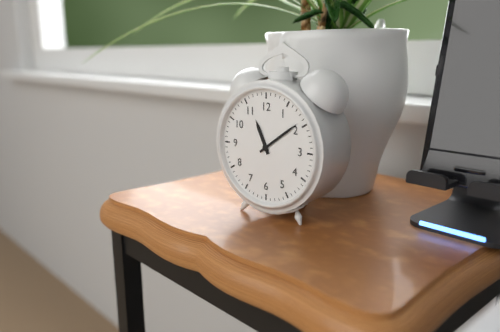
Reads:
11,09
